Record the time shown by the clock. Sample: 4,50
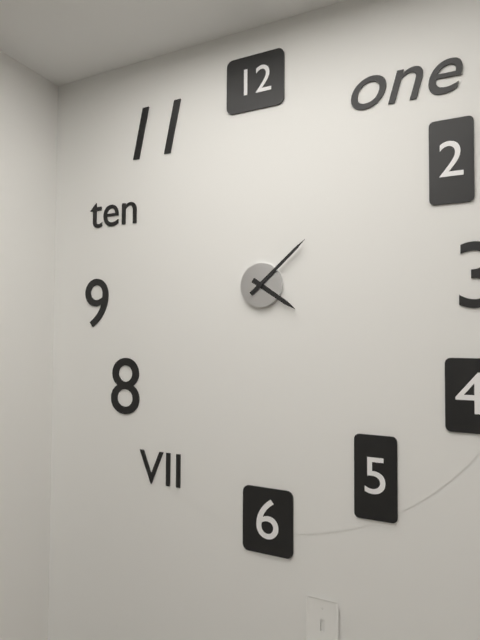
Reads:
4,08
